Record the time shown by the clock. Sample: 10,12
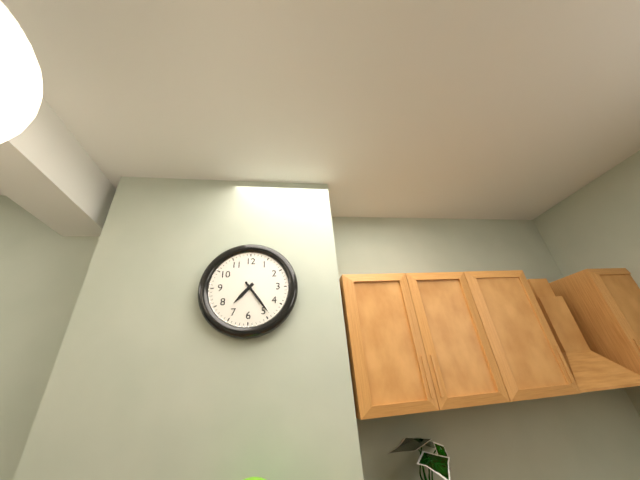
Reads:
7,24
